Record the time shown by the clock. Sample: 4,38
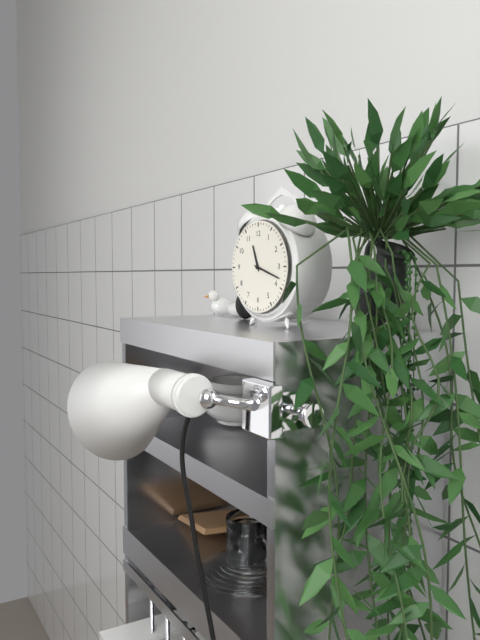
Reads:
11,18
